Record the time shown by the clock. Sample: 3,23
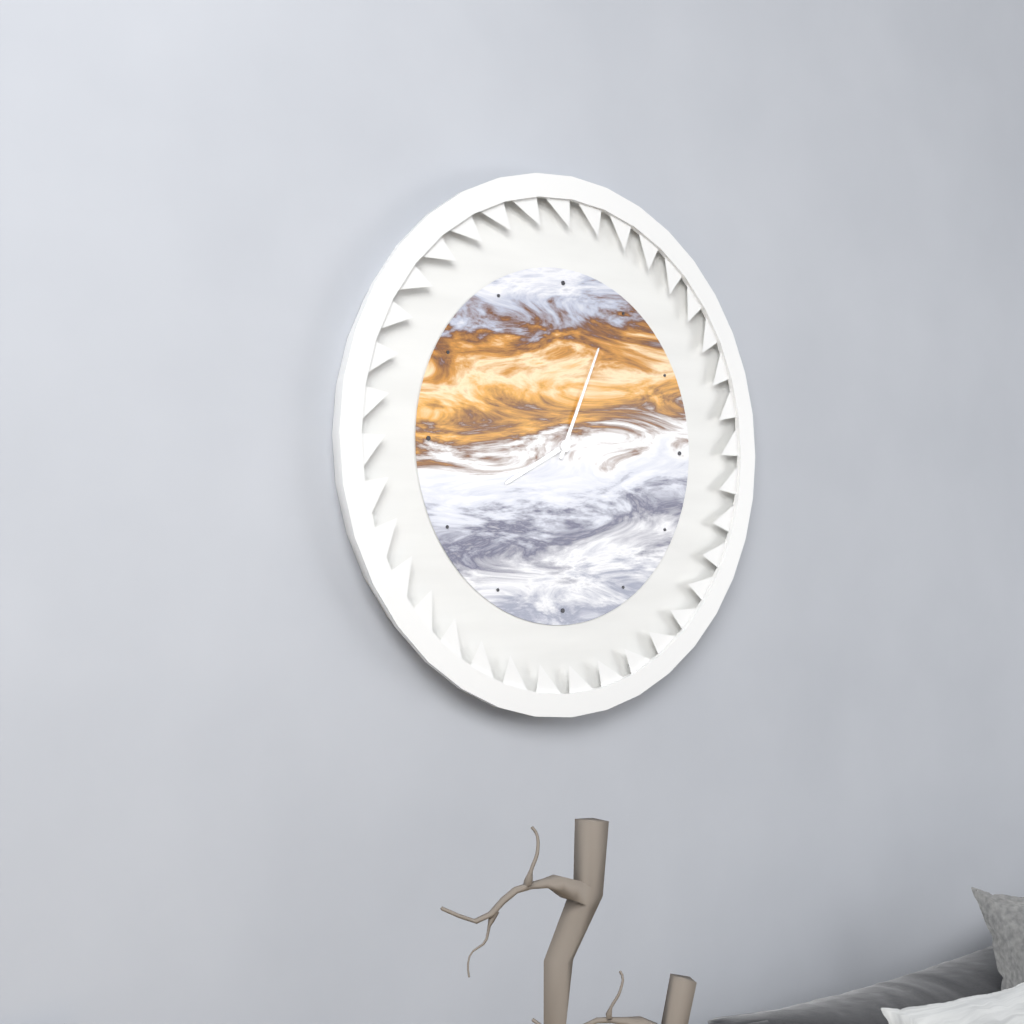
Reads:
8,04
